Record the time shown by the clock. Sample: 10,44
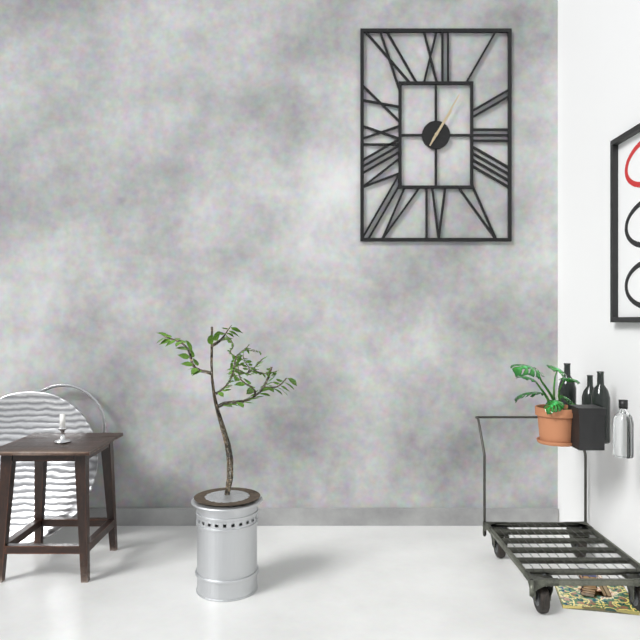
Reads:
1,05
